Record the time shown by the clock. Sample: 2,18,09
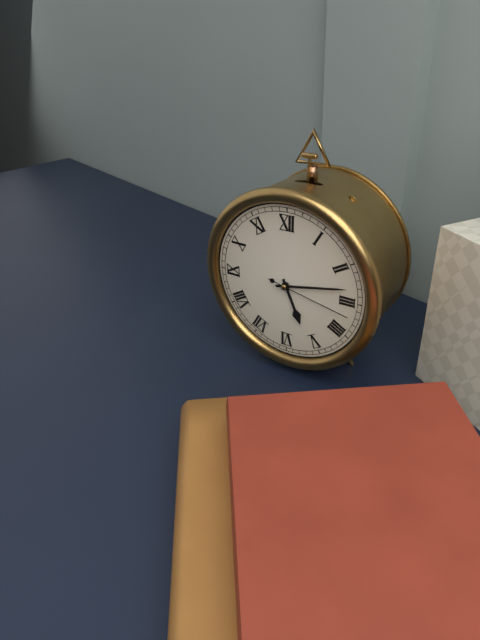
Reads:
5,13,17
